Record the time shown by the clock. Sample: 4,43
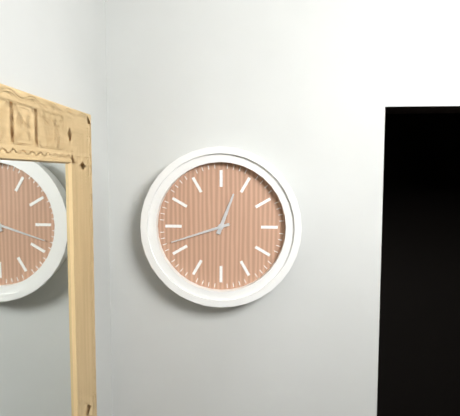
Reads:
12,42
